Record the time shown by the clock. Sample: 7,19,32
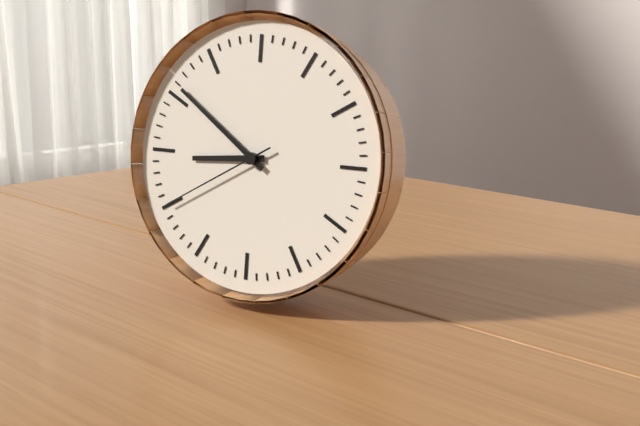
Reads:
8,51,40
